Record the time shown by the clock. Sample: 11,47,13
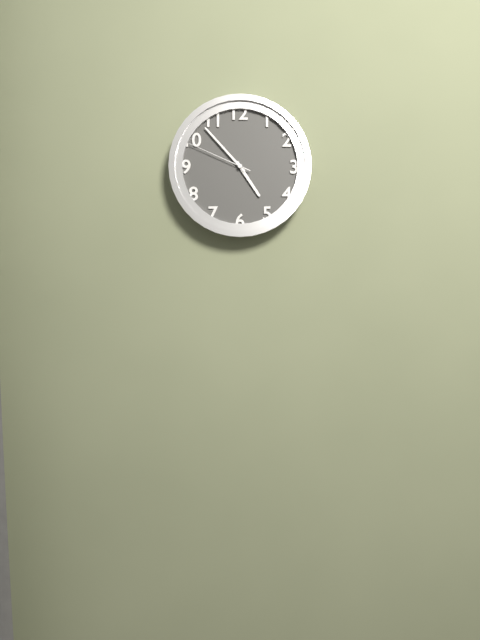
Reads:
4,53,49
